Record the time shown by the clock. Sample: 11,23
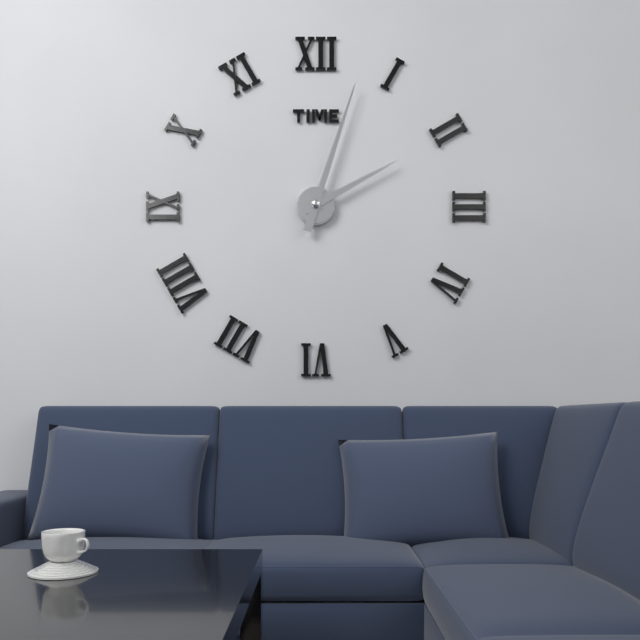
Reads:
2,03
